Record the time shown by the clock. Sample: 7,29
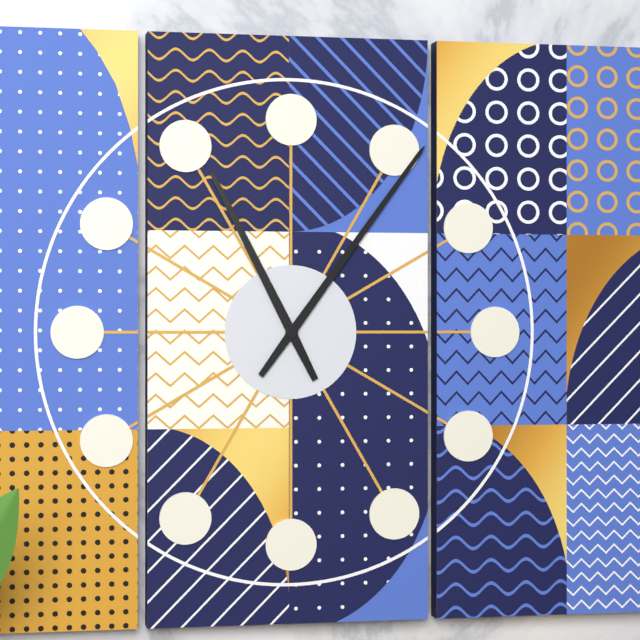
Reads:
11,06
